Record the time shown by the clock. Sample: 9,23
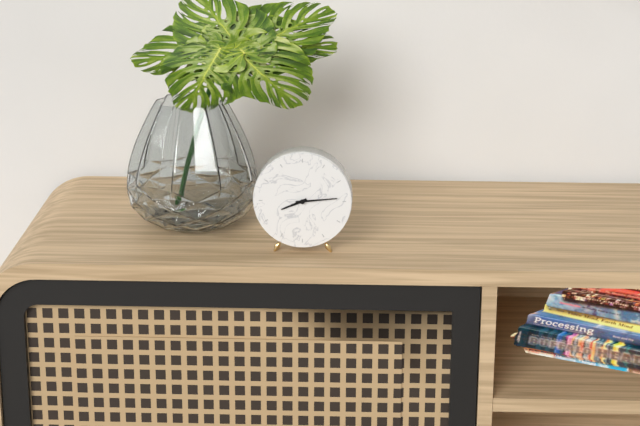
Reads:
8,14
